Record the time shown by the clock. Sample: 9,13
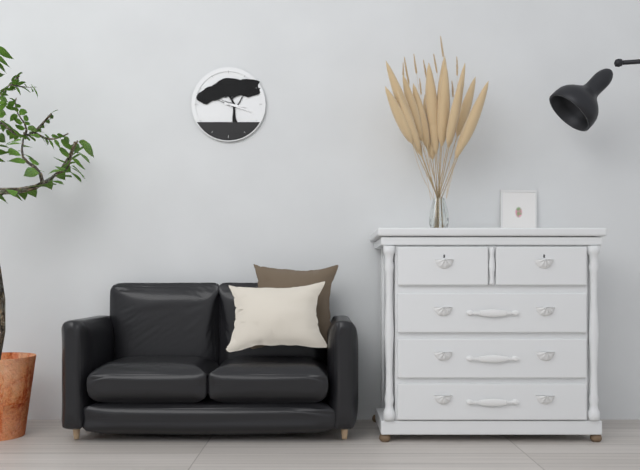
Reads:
3,18
